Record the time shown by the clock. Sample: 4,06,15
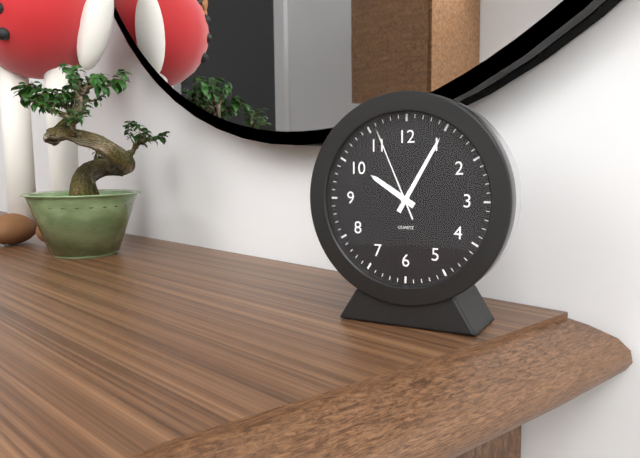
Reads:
10,05,56
